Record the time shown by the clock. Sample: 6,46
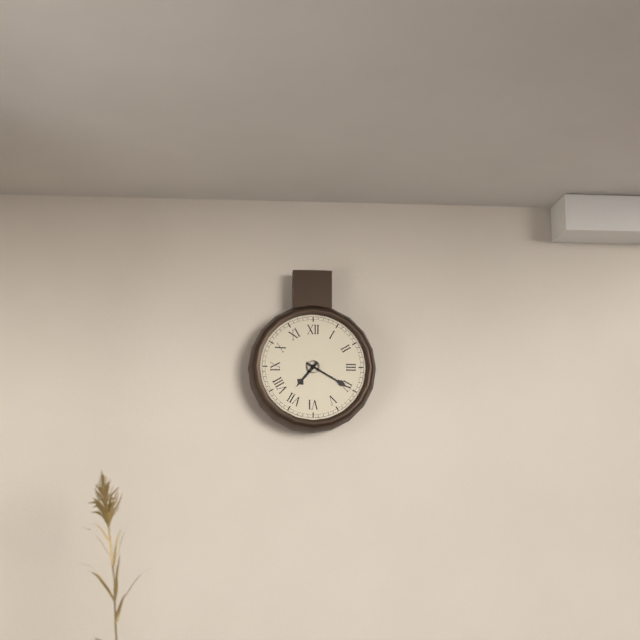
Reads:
7,20
